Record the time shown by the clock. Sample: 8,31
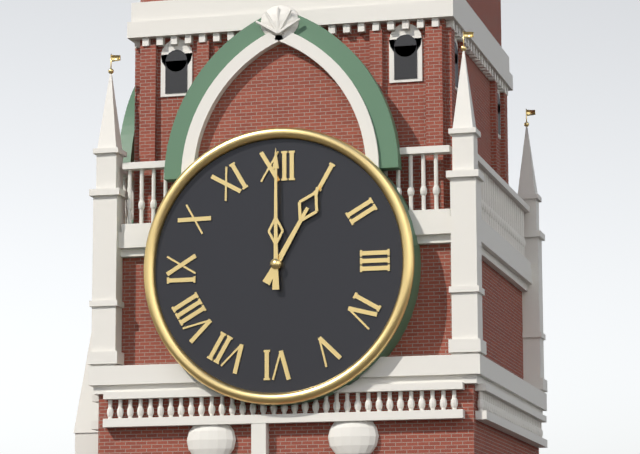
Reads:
1,00
